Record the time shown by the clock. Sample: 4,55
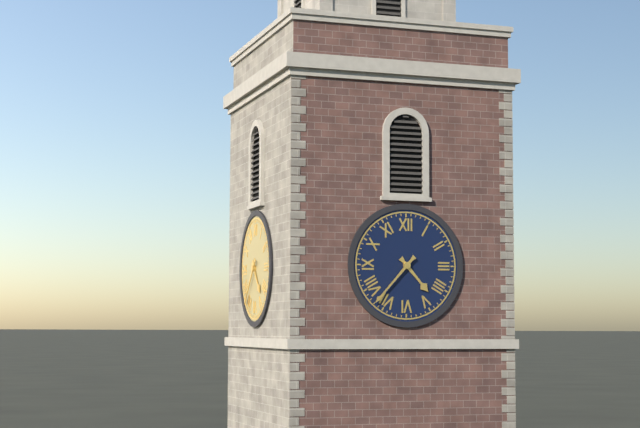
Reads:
4,37
